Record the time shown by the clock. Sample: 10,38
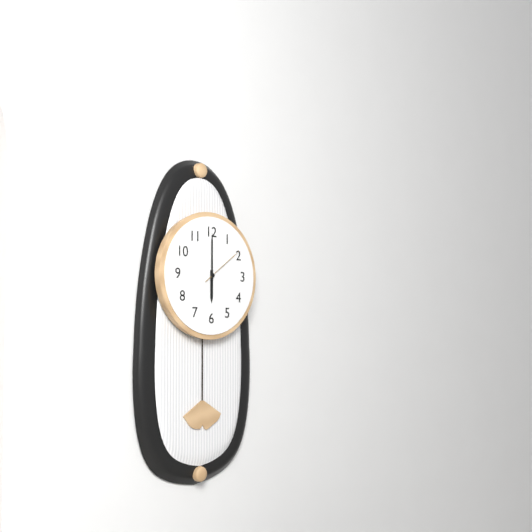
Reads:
6,00
